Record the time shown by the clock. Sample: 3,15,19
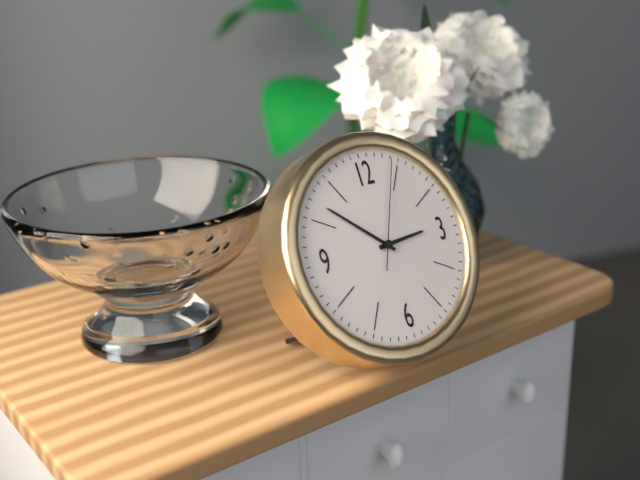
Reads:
2,52,04
